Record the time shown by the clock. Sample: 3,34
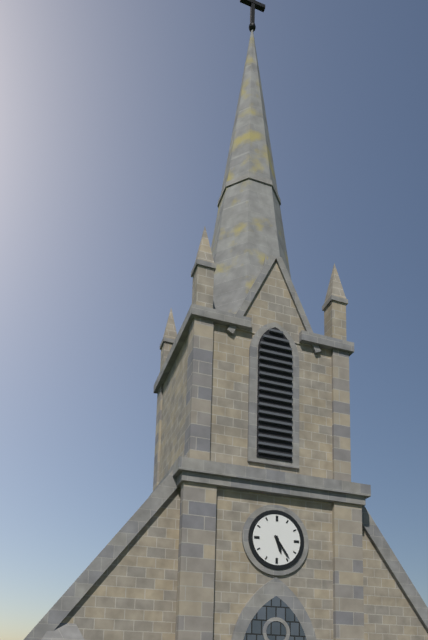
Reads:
5,24
